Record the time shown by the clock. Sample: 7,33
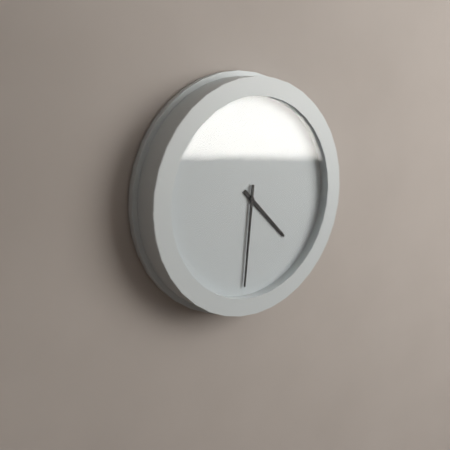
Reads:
4,31
